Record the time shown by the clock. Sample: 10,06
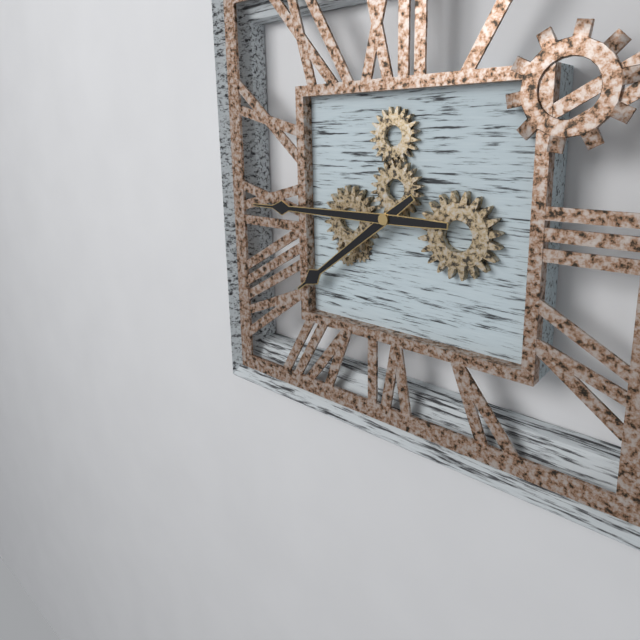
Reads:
7,45
